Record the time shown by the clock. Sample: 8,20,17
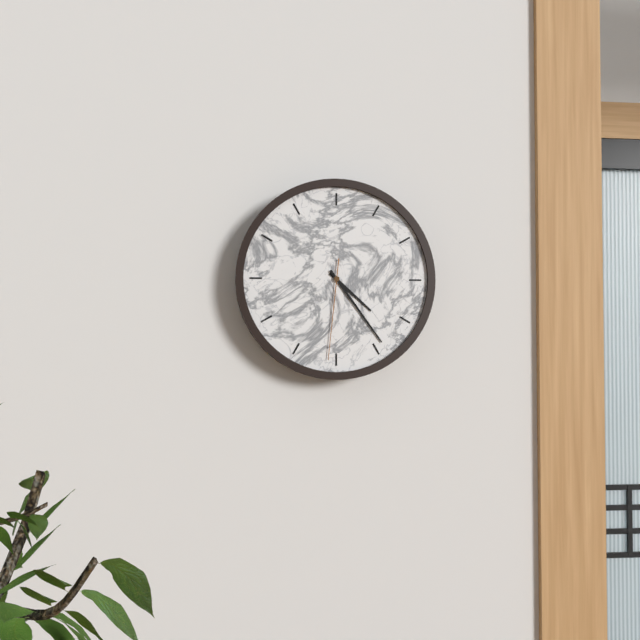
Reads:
4,24,31
